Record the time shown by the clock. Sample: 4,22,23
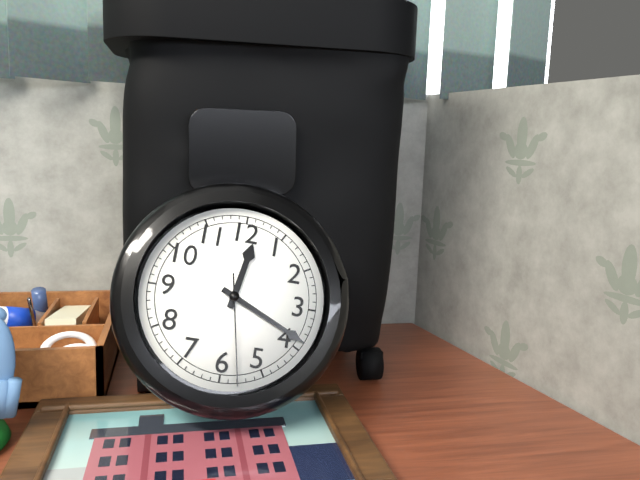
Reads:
12,19,28
